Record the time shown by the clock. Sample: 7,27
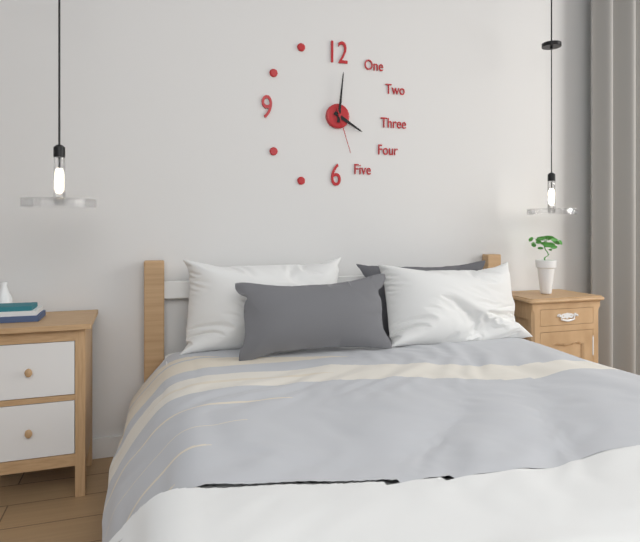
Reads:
4,01
